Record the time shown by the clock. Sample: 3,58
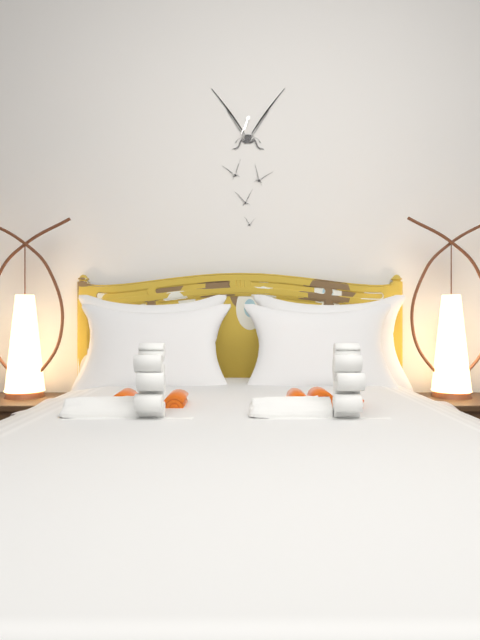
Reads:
6,34
